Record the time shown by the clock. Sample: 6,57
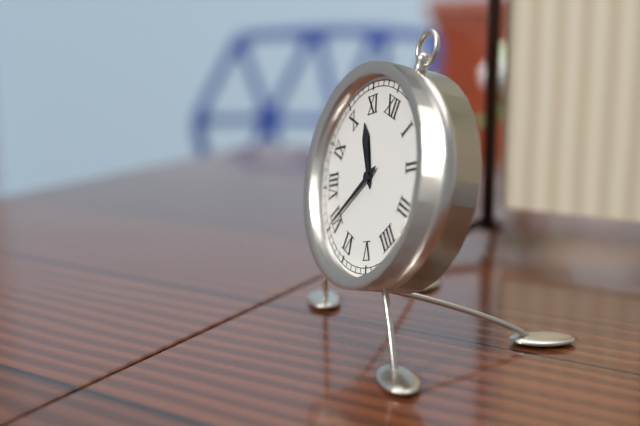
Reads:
10,35
